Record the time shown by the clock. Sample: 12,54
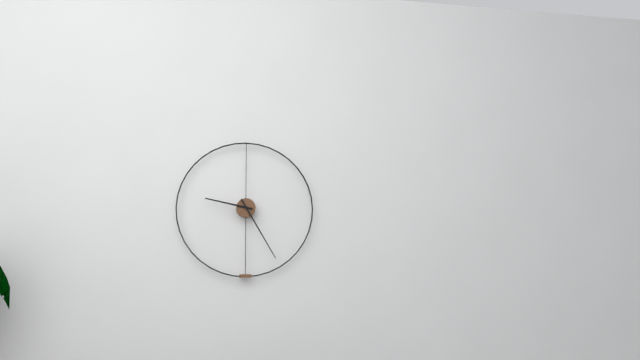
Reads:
9,25
